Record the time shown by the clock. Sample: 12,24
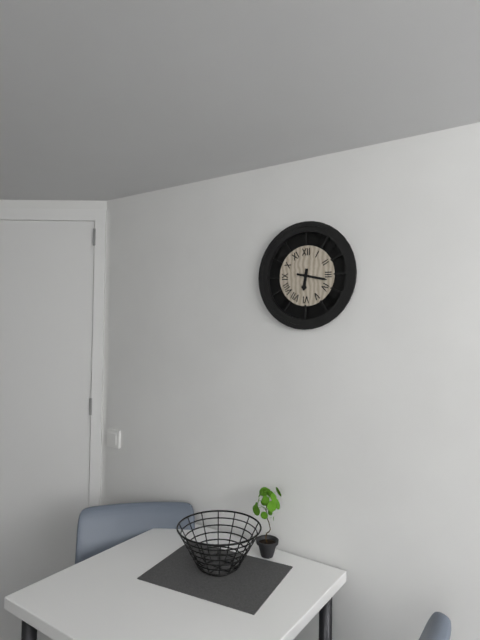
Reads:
6,17
